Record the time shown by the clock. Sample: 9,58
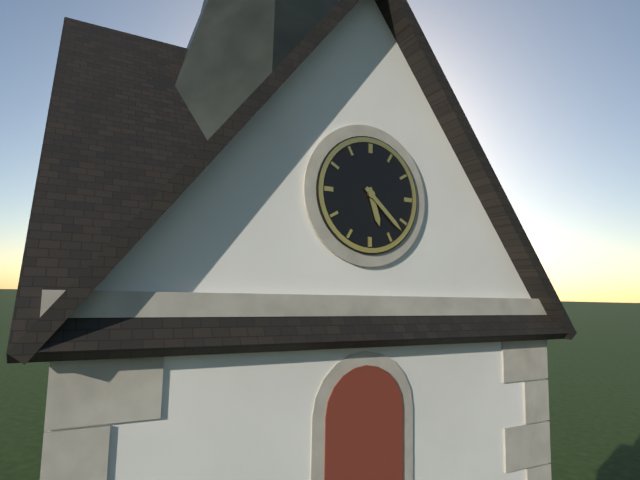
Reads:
5,22
